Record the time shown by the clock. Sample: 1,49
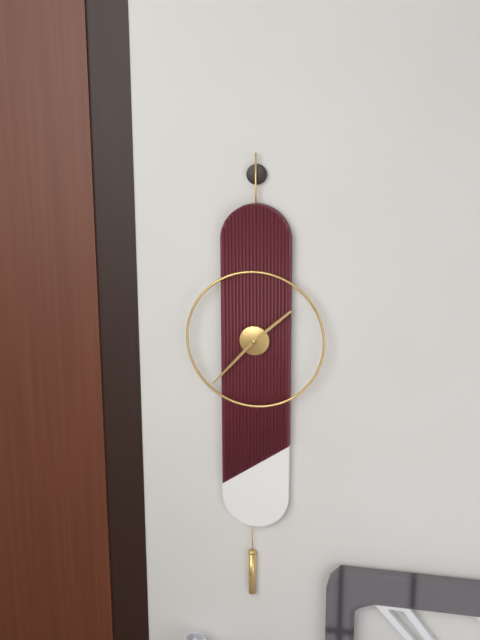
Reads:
1,37
